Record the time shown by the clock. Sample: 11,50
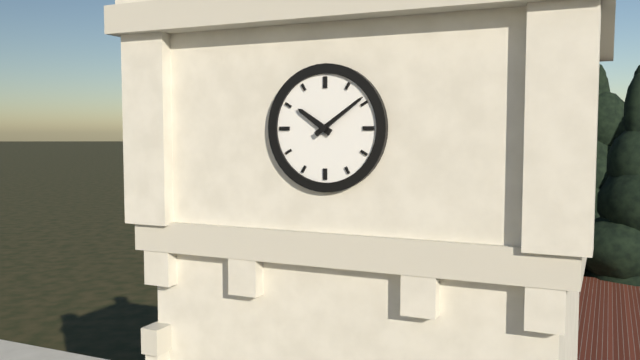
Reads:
10,09
